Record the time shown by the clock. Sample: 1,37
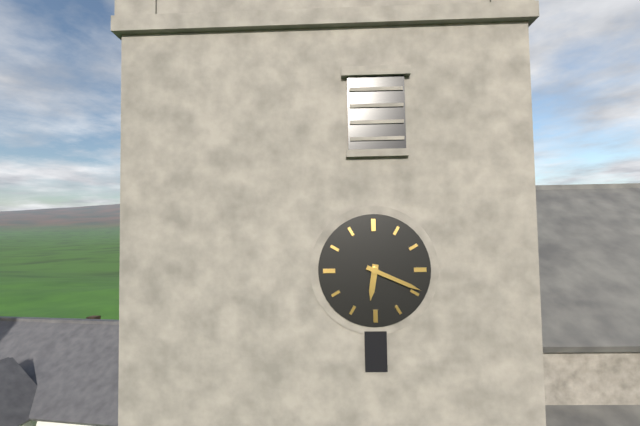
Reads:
6,19
